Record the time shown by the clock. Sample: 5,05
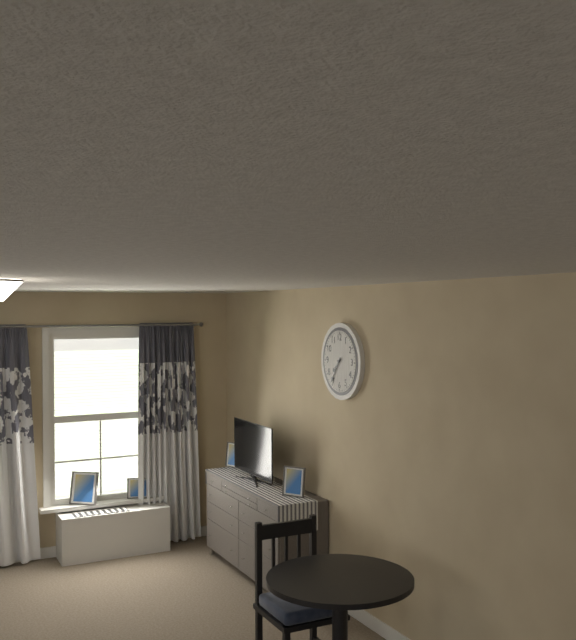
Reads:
7,36
